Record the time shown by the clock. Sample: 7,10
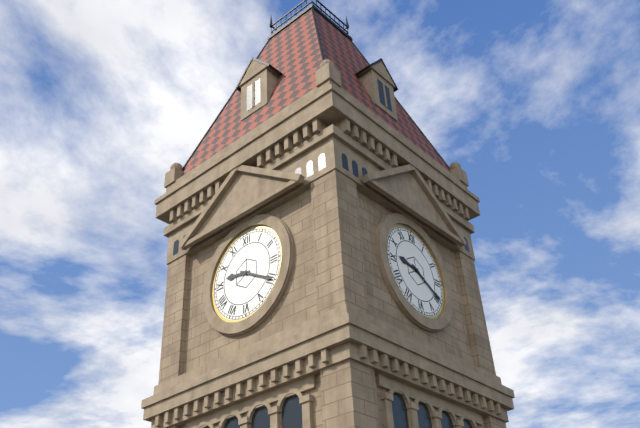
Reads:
9,20
